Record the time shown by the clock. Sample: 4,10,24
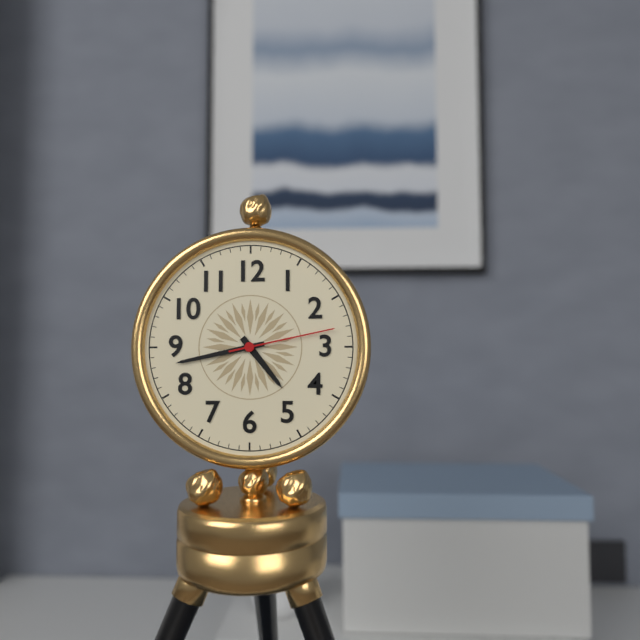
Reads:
4,43,13
